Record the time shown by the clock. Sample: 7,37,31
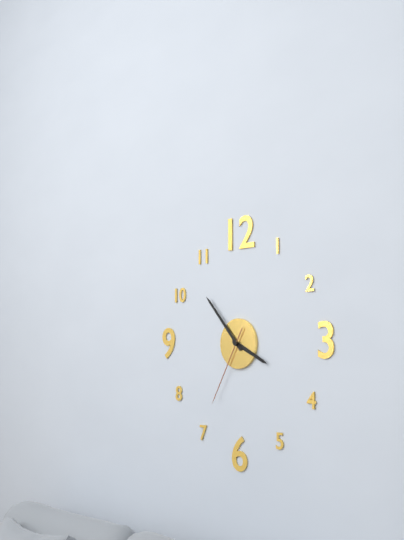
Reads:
3,53,35
